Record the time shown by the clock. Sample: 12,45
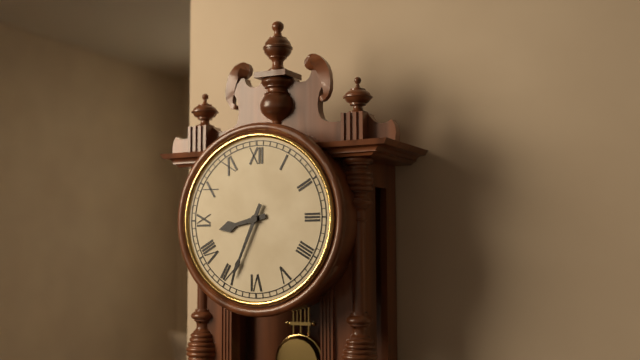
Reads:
8,34
